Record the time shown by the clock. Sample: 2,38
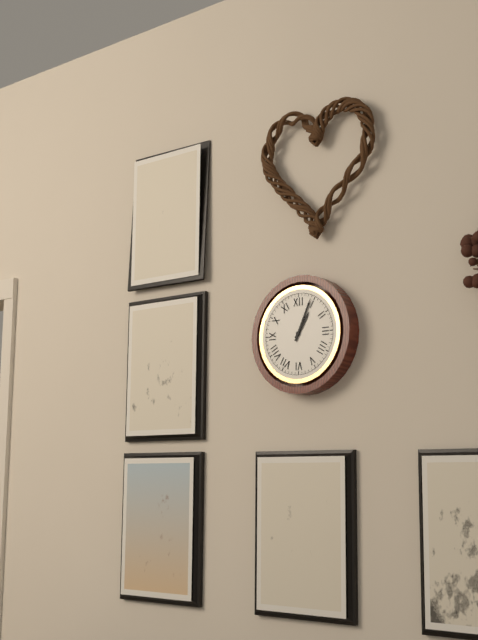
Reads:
1,04
